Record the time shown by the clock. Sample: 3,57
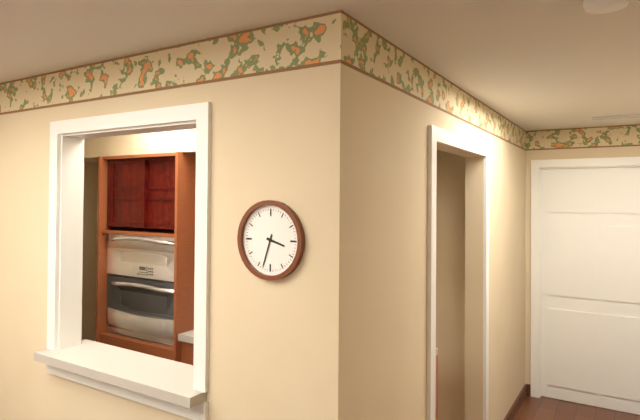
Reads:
3,33
